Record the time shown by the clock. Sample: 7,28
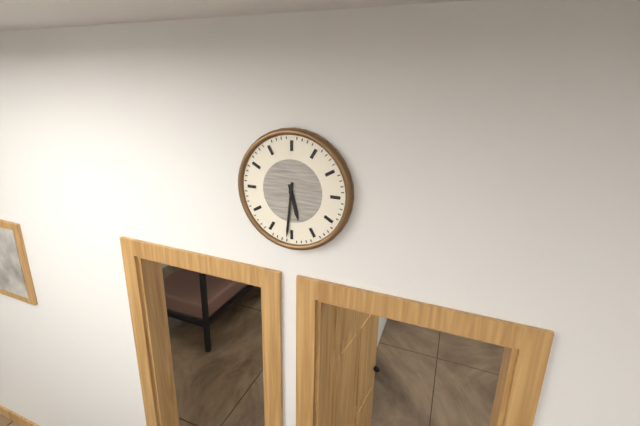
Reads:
5,31
